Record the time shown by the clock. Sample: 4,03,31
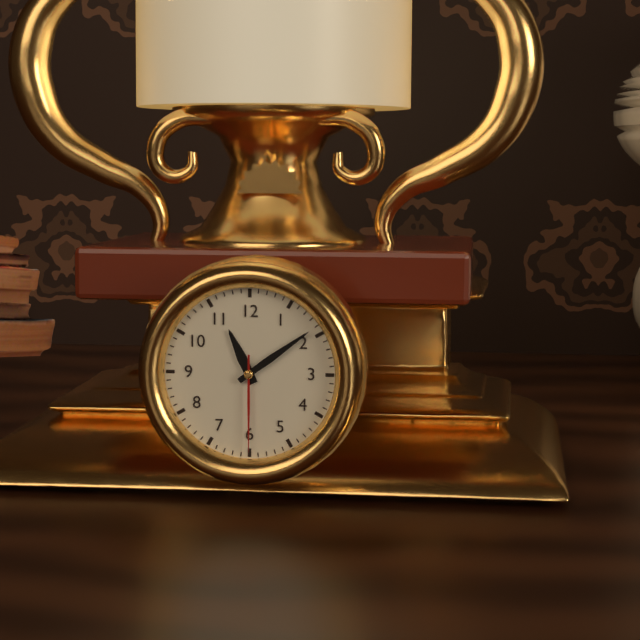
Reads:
11,09,30
